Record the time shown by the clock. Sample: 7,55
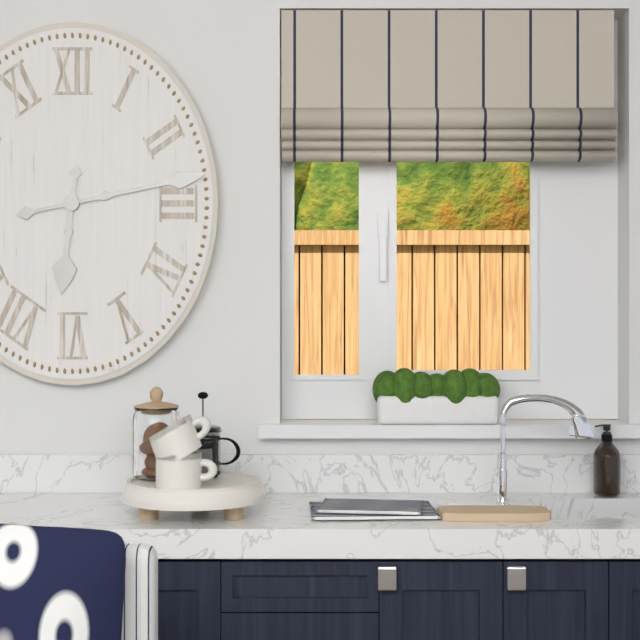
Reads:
6,13
